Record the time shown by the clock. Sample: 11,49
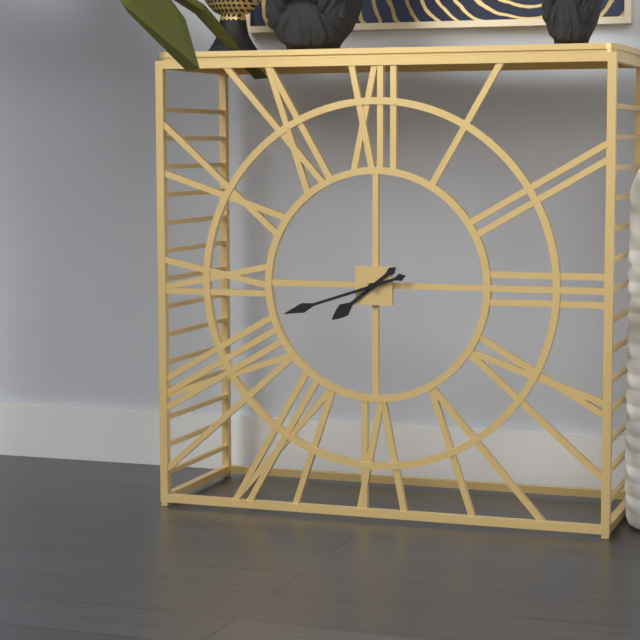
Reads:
7,42
